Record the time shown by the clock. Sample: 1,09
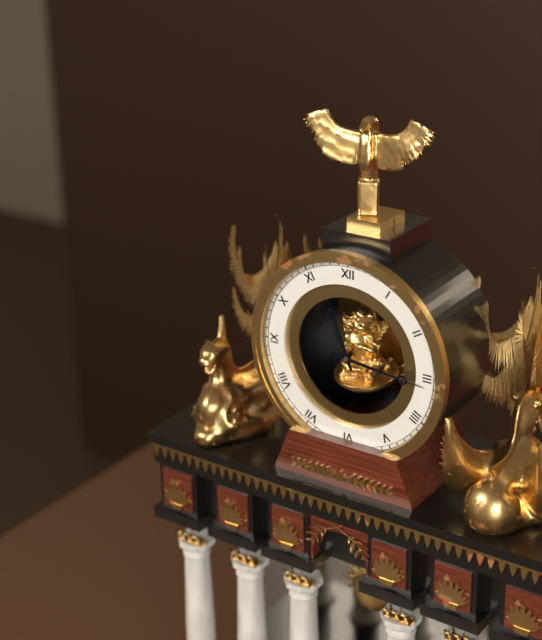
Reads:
11,16
